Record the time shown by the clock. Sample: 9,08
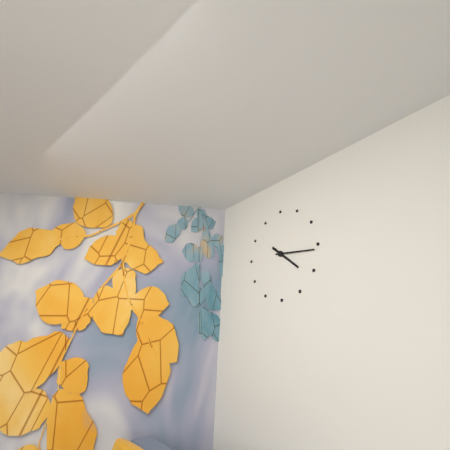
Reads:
4,16
